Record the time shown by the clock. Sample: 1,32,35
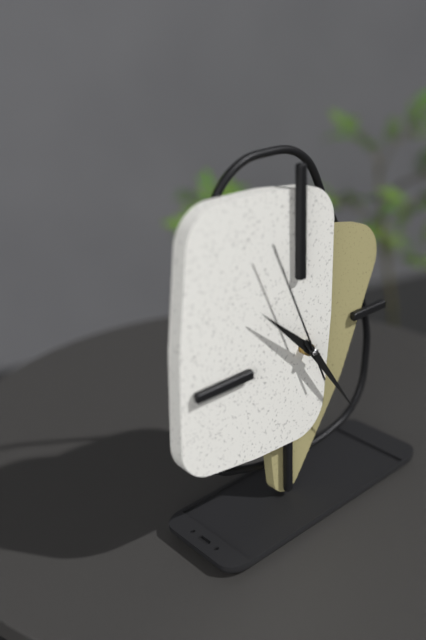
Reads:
10,24,56
